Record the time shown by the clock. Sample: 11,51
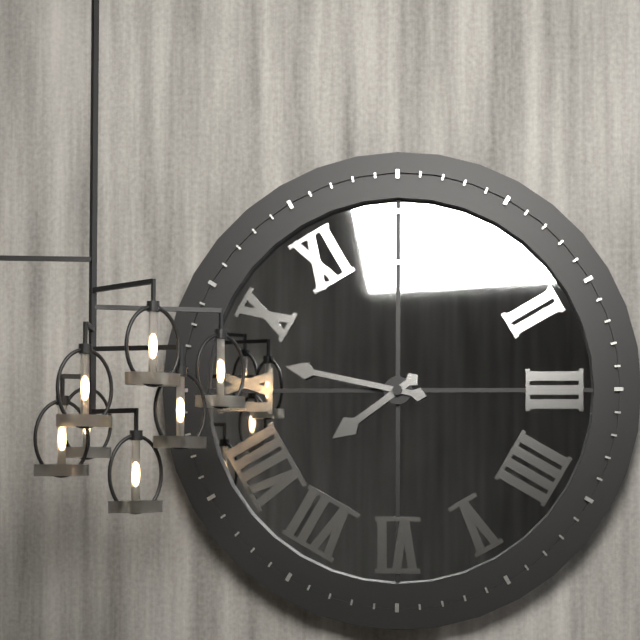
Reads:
7,47
